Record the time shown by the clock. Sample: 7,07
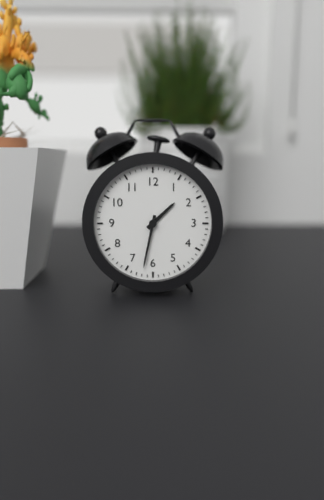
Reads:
1,32
